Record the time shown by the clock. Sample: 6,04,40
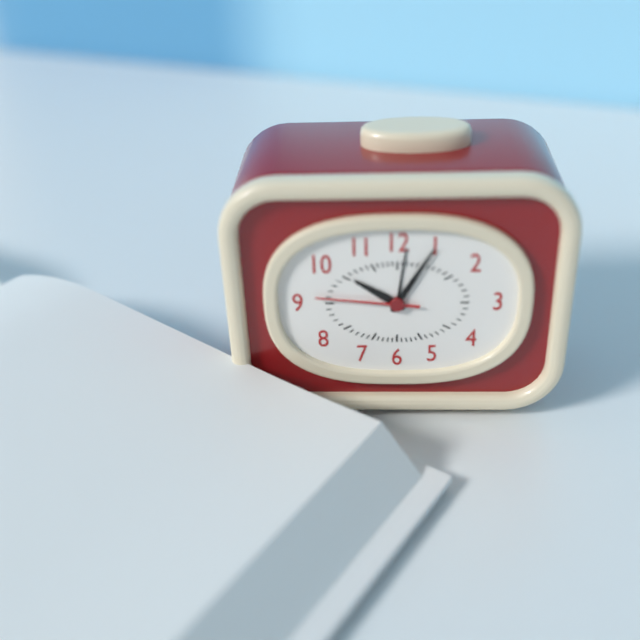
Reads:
10,05,46
